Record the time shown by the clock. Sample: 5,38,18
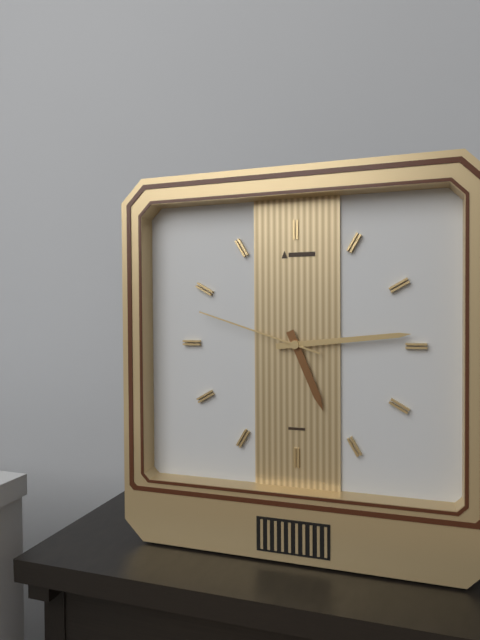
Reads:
5,14,48
